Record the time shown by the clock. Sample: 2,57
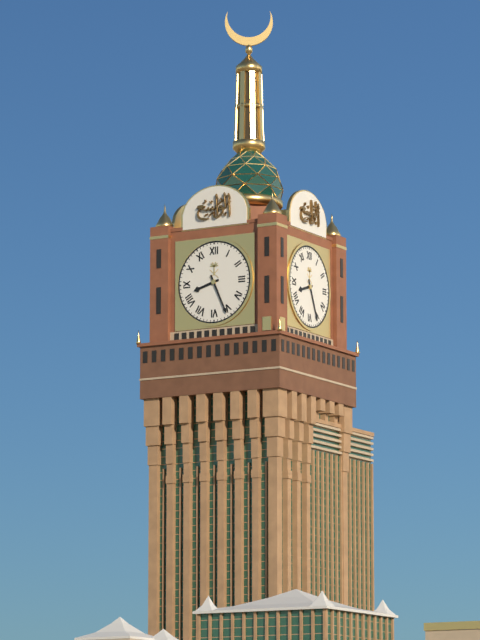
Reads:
8,26
